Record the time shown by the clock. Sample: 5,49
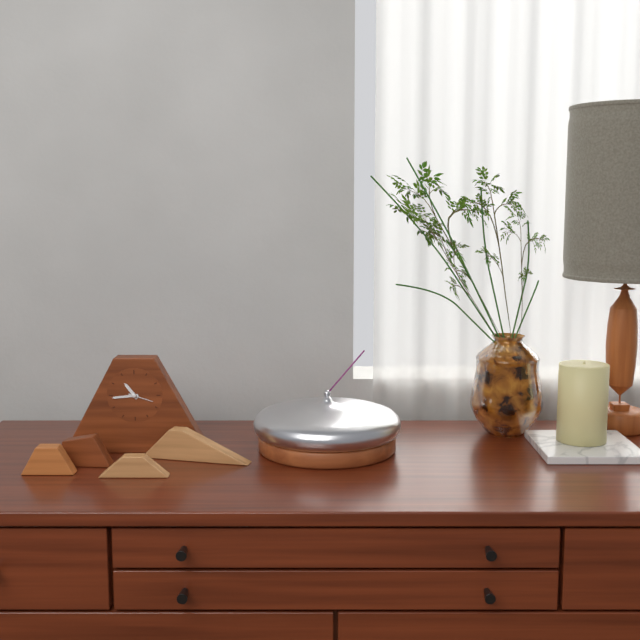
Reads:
10,44
